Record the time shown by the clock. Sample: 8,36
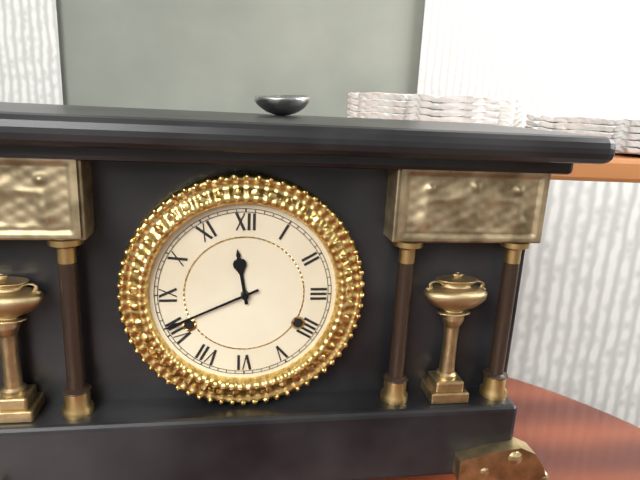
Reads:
11,41
